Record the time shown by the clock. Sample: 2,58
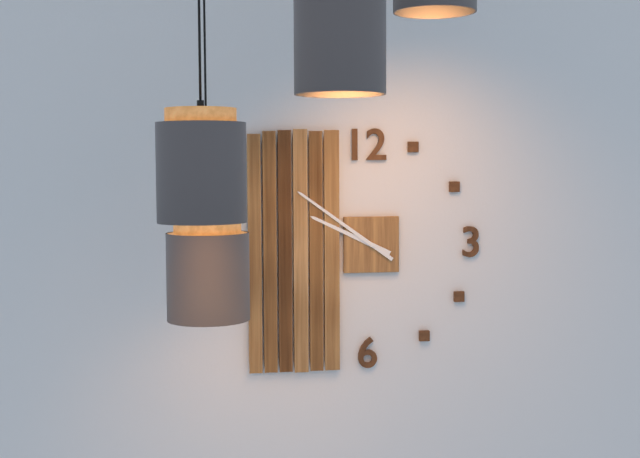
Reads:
9,51
